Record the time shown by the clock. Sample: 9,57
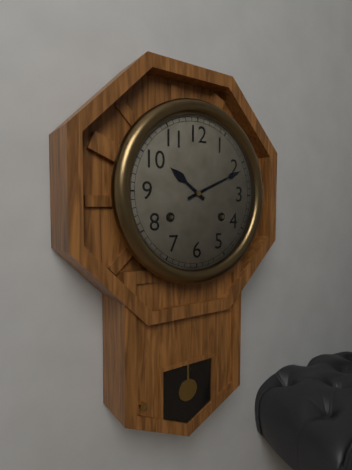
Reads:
10,11
